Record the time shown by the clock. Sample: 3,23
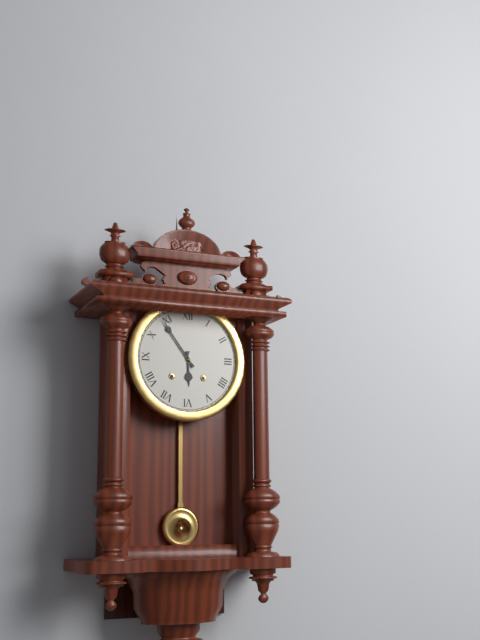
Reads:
5,54
